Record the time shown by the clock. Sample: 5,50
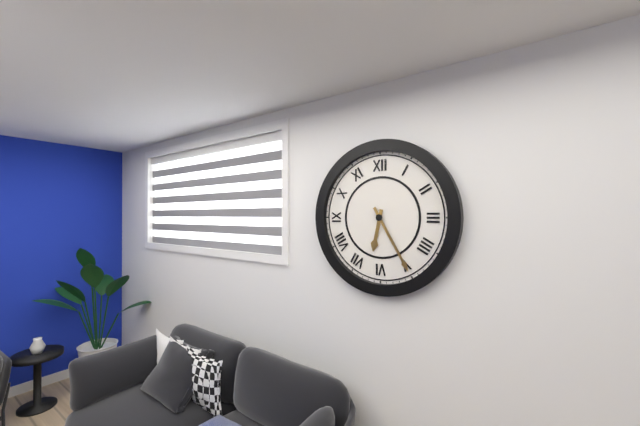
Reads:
6,25
